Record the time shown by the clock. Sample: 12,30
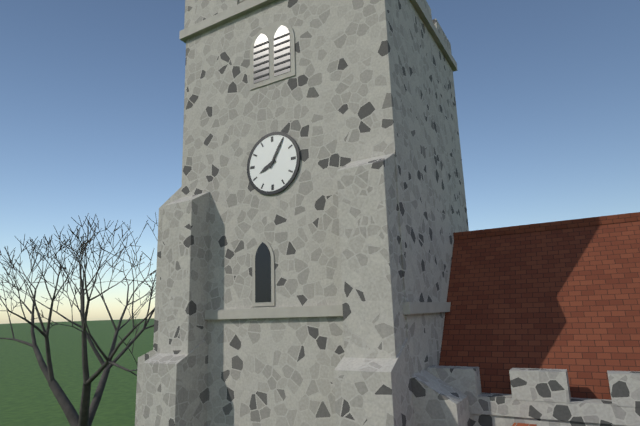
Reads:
8,05
